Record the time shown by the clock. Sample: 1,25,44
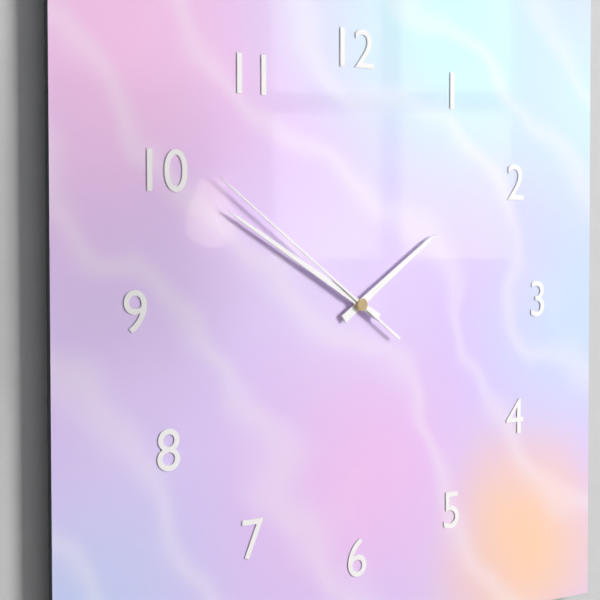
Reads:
1,50,51
